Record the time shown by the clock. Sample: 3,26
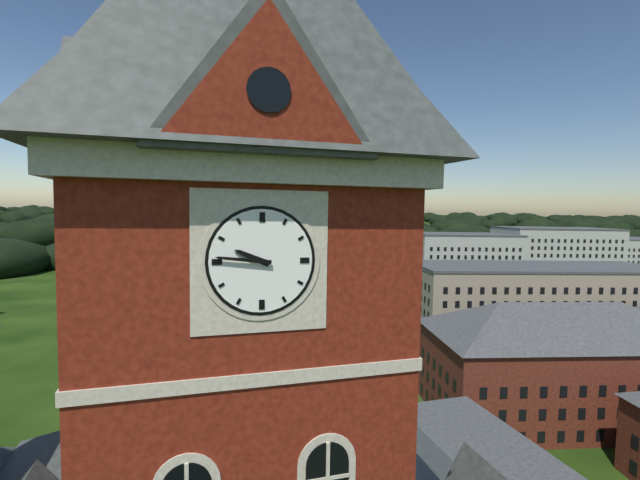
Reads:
9,46
